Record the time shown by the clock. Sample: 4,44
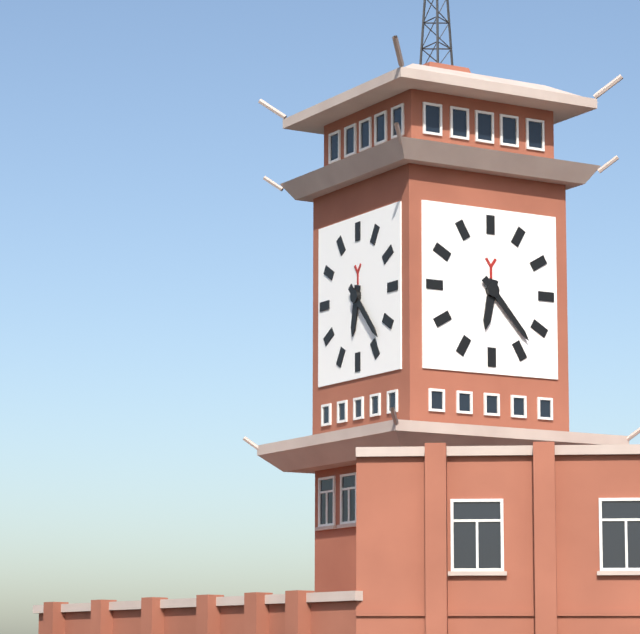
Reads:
6,23
